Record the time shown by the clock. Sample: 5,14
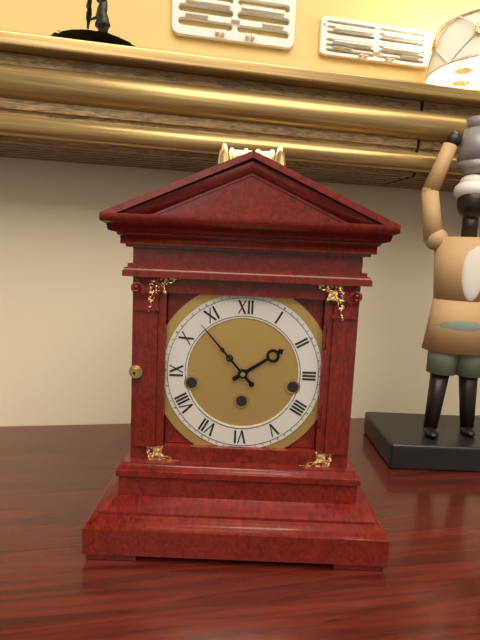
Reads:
1,53
